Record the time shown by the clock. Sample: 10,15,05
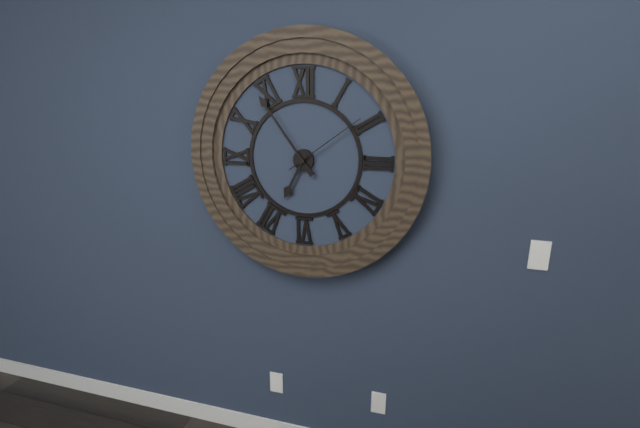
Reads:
6,54,09
